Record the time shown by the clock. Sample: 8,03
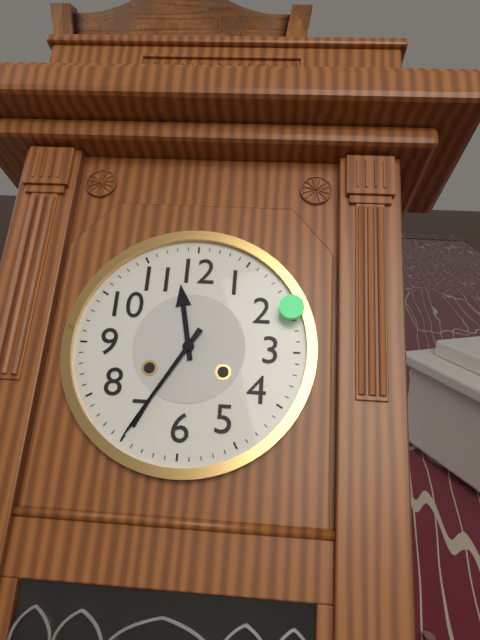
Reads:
11,35
